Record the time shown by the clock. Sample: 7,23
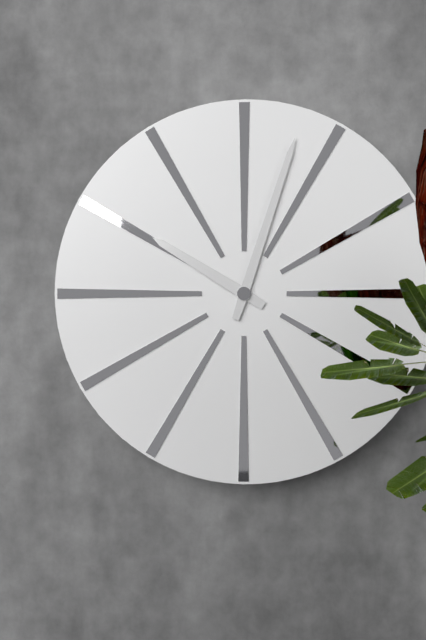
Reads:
10,03
